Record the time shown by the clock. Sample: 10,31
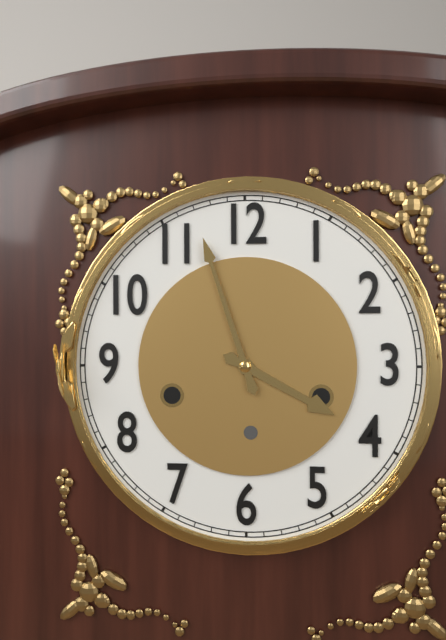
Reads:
3,57
